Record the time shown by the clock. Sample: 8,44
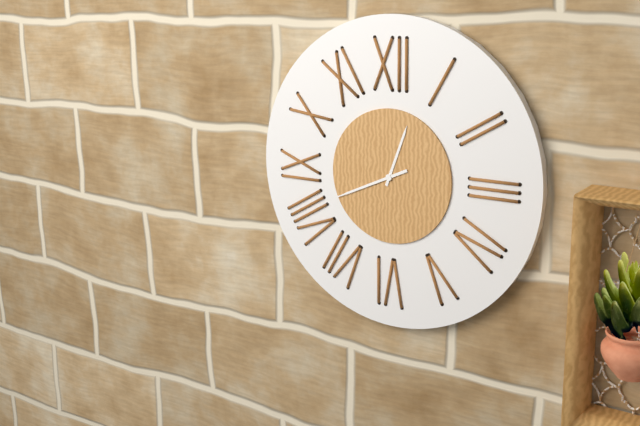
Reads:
12,41
